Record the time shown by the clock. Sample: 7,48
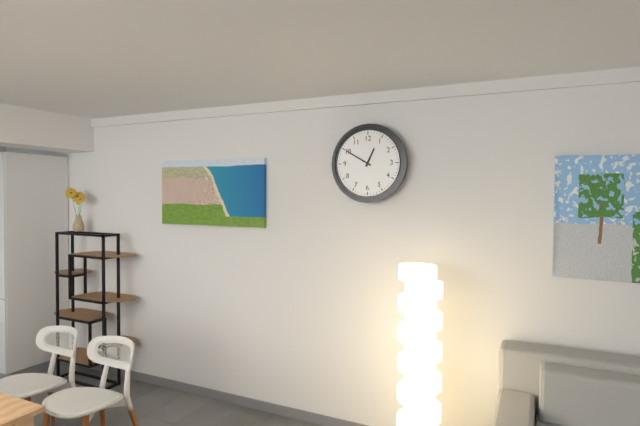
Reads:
12,50
